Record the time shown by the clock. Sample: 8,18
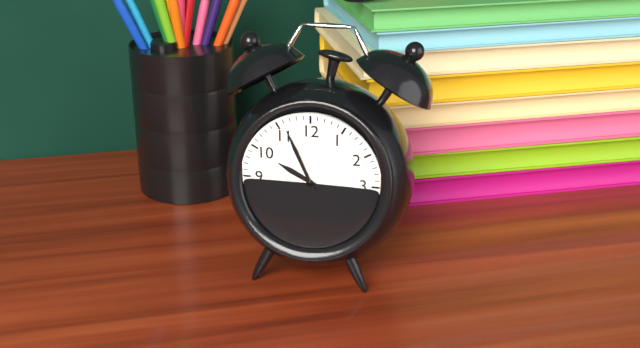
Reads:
9,56
